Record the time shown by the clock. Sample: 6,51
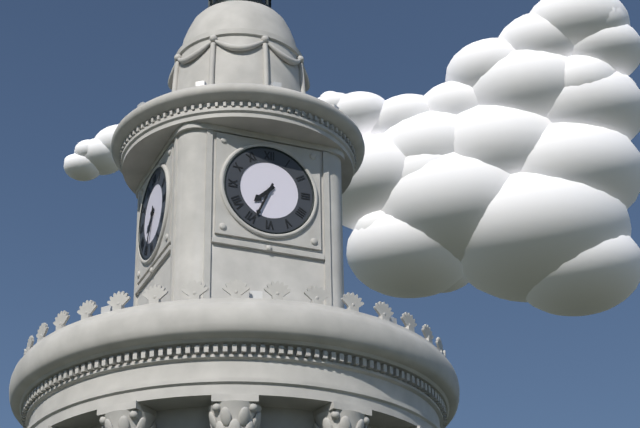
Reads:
7,34
